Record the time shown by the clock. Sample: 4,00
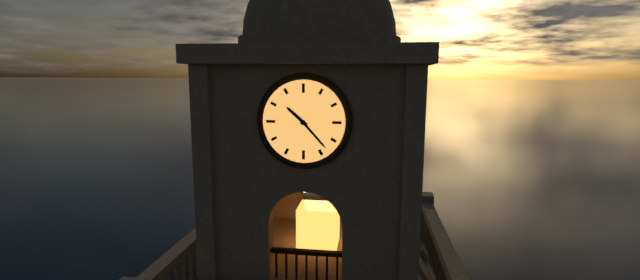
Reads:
10,23
